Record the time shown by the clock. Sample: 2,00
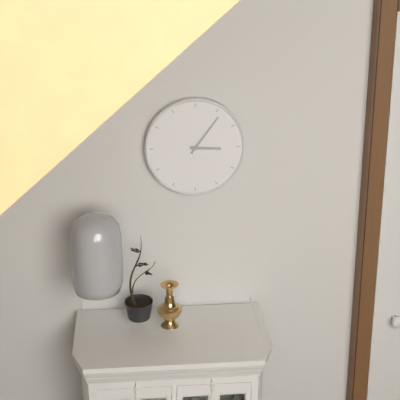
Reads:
3,06
